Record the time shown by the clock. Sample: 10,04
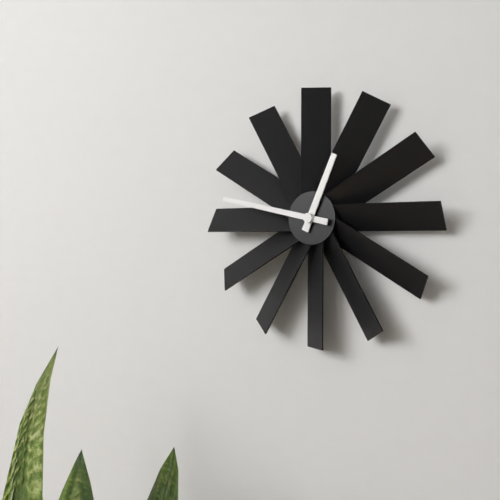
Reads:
12,47
